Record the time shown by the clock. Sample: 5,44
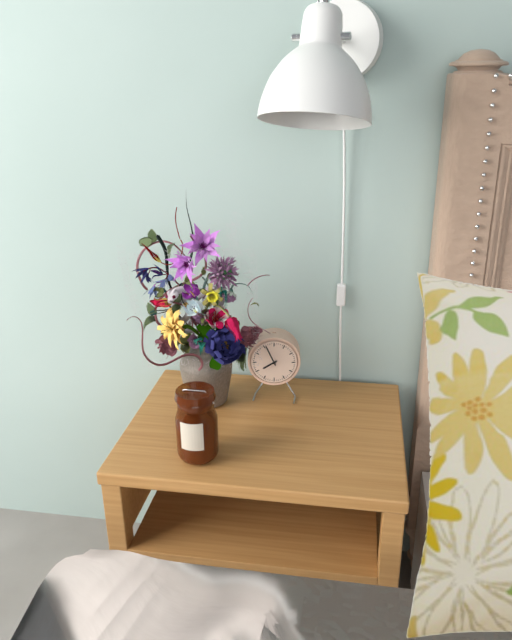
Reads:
7,56
